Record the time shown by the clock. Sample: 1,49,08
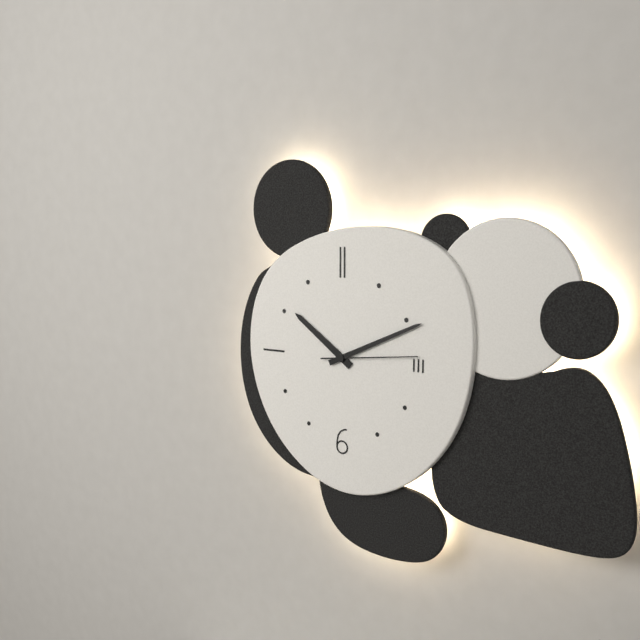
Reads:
10,11,14
